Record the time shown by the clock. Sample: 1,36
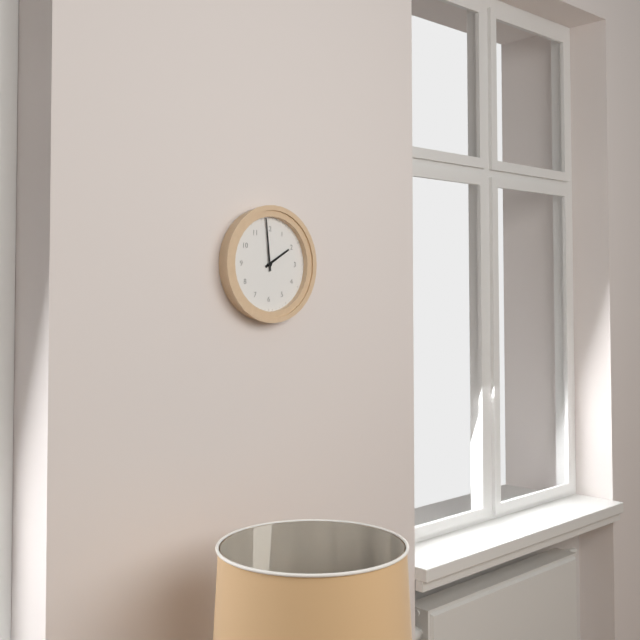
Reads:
1,59
